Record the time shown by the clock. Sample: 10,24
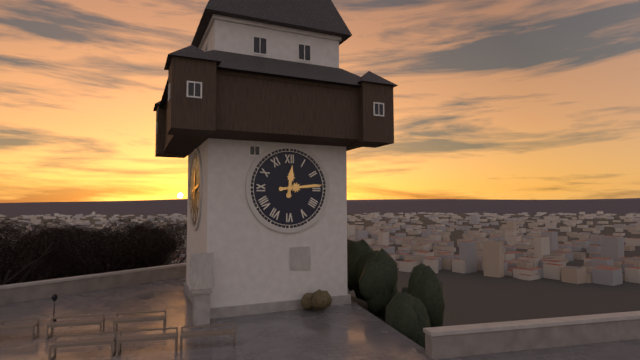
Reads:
12,14
